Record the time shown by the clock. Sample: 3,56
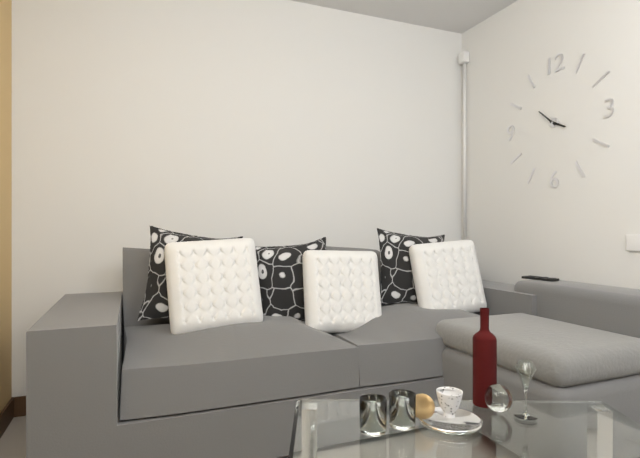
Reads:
3,52
